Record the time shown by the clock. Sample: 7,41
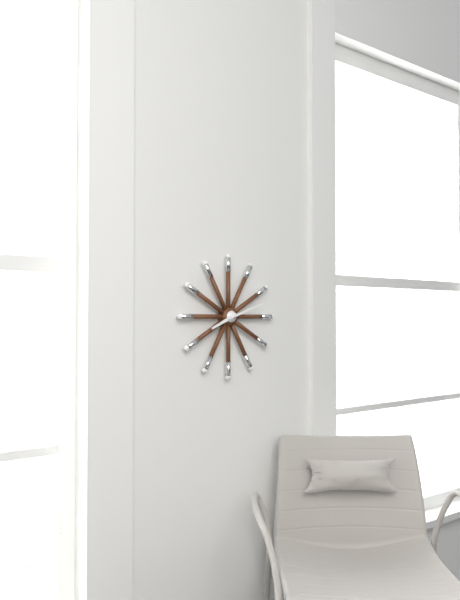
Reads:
8,12
